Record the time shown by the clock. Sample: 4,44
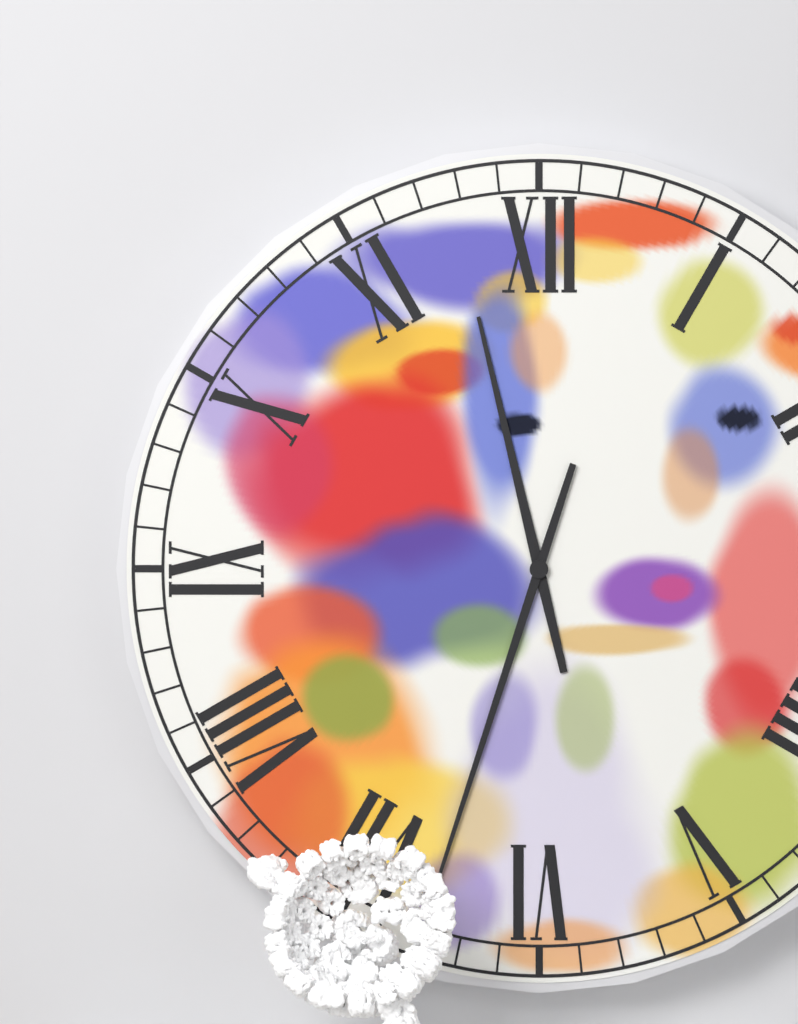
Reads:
11,33
